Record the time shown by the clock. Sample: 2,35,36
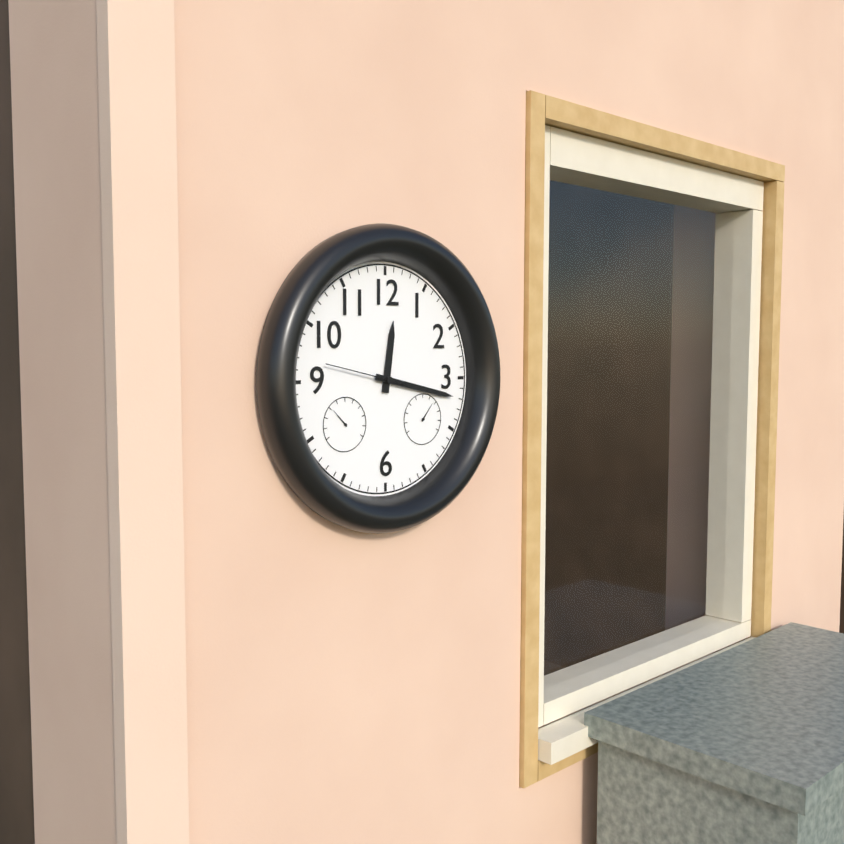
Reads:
12,17,47
